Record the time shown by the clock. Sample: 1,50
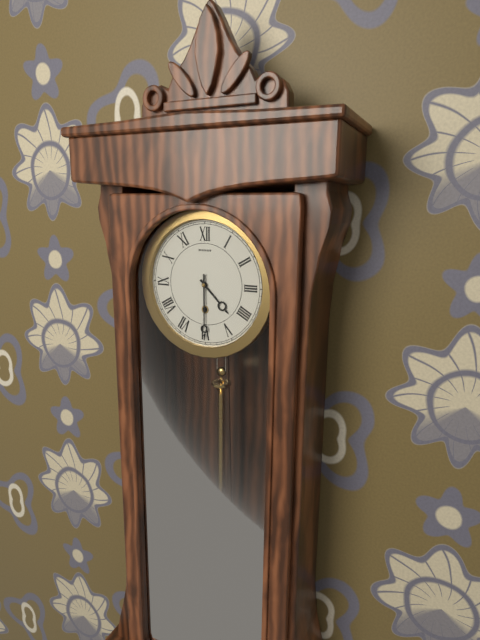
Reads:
4,30
